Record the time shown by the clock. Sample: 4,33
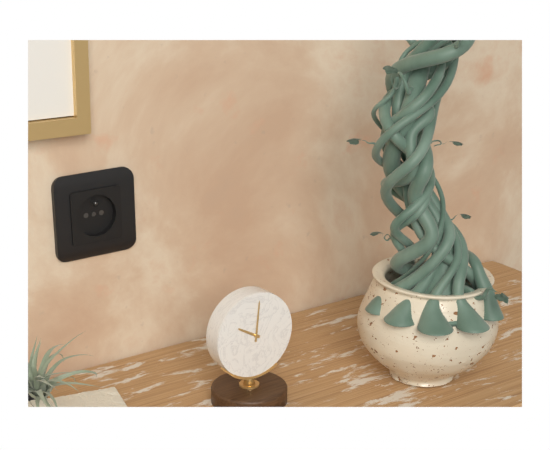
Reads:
10,01
